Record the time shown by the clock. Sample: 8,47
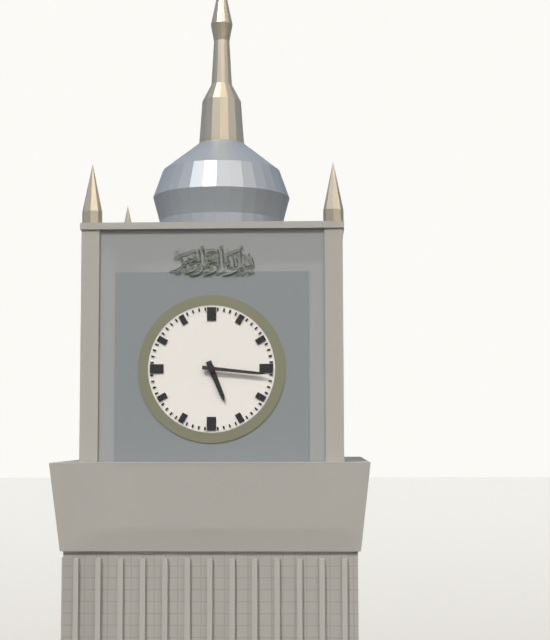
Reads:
5,16
